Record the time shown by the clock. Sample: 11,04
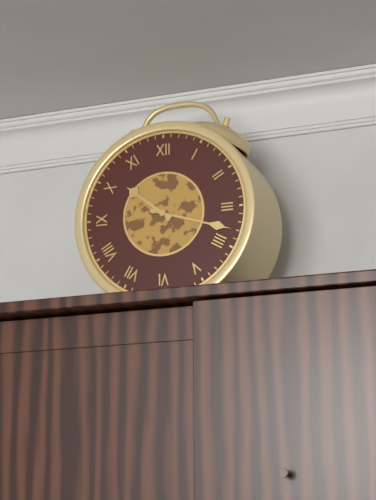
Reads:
10,18
